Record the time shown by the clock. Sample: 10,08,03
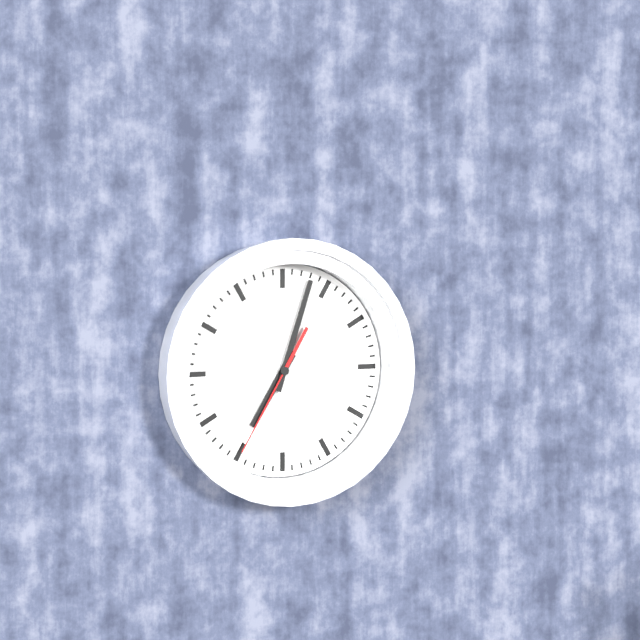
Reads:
7,03,35
